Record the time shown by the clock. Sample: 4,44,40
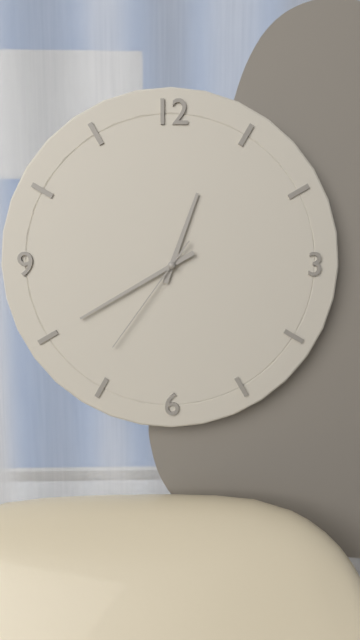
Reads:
12,40,36
